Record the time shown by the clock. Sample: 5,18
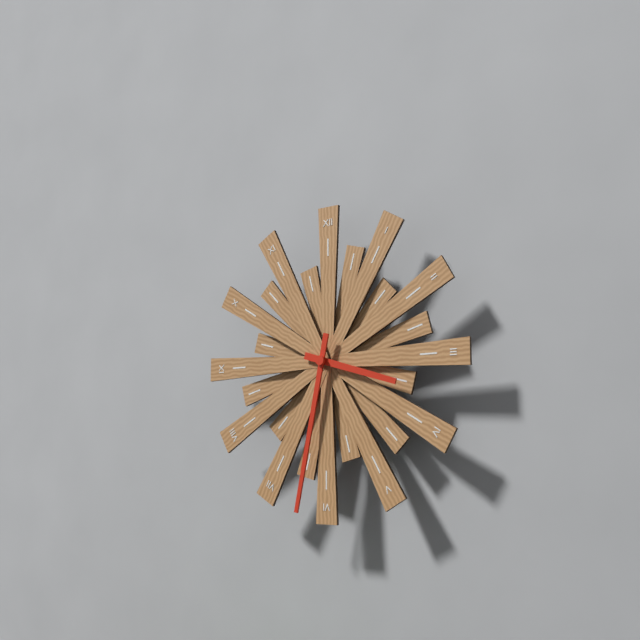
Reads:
3,32
